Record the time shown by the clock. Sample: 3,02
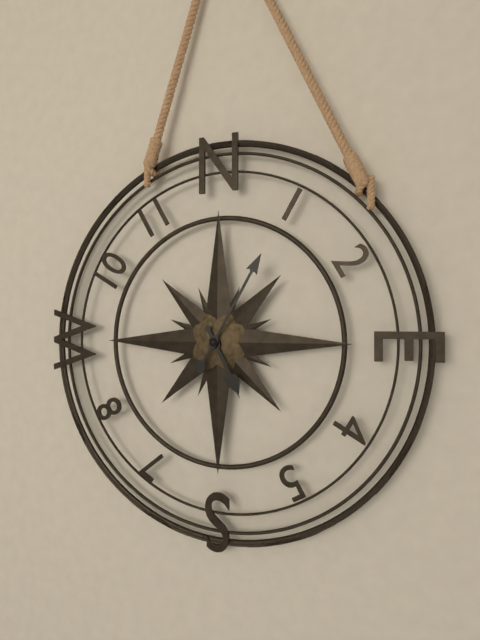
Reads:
5,05
